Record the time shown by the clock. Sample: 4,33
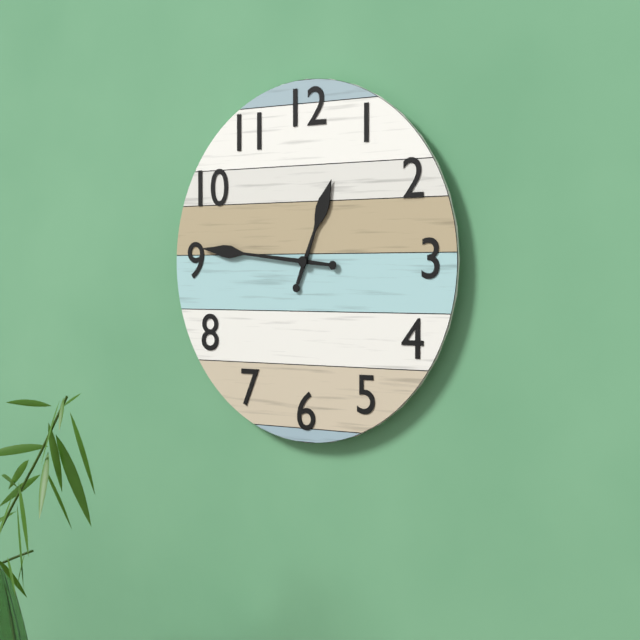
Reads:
12,46
